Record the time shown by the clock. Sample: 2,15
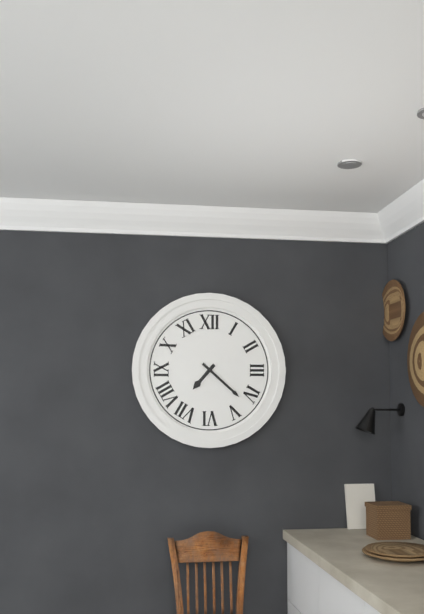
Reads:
7,22
